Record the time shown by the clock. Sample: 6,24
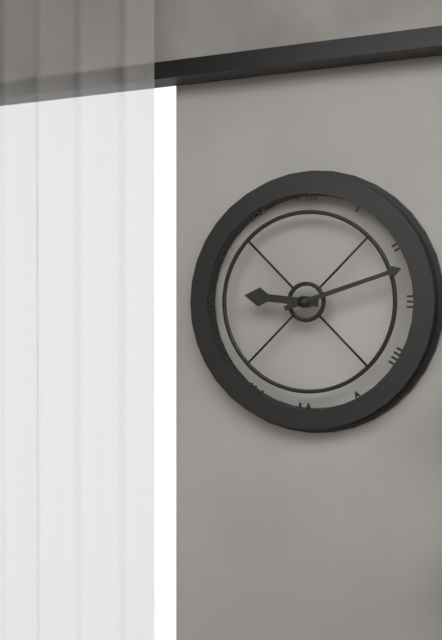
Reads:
9,12
